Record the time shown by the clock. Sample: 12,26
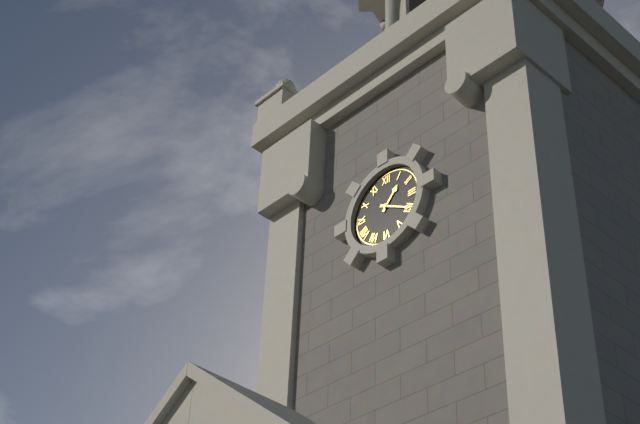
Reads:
1,20
